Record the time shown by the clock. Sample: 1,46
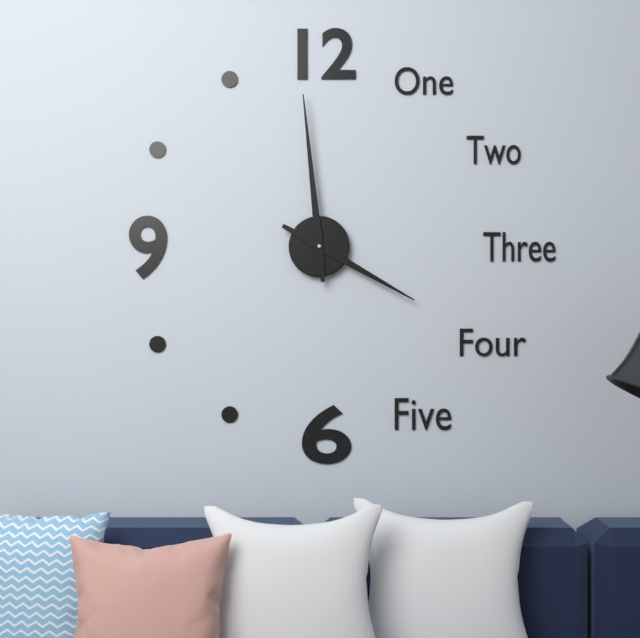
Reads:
3,59
